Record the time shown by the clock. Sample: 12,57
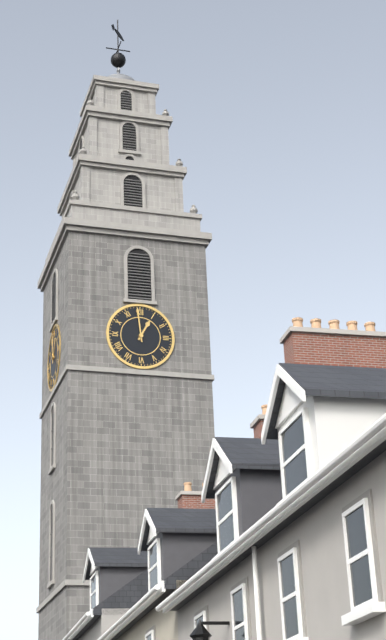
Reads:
12,59
